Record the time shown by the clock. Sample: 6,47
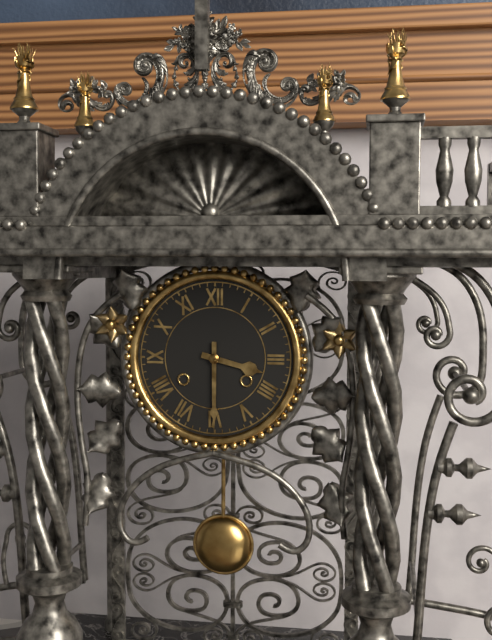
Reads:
3,30
